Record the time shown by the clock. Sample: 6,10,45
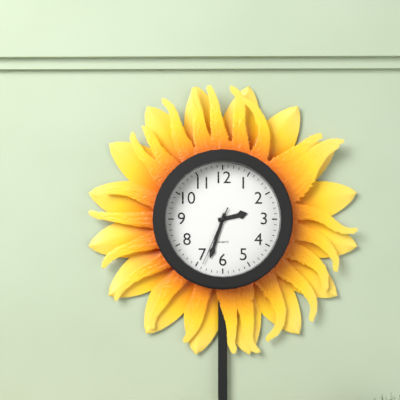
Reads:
2,33,34
